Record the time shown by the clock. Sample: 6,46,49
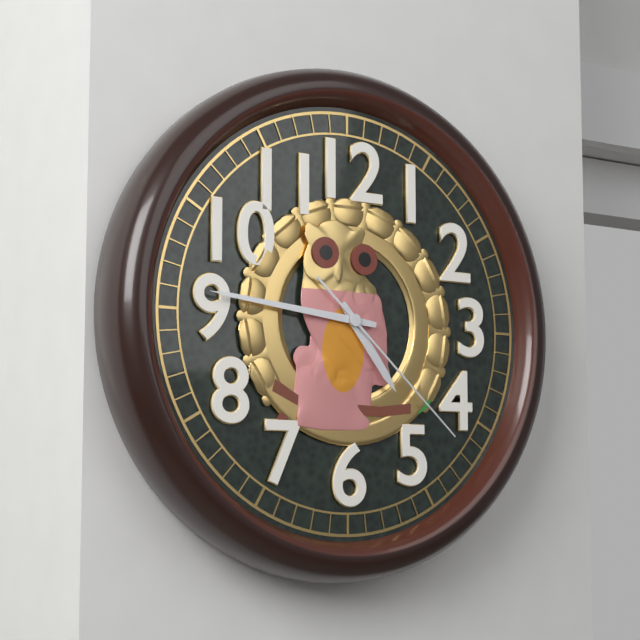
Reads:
4,46,22
